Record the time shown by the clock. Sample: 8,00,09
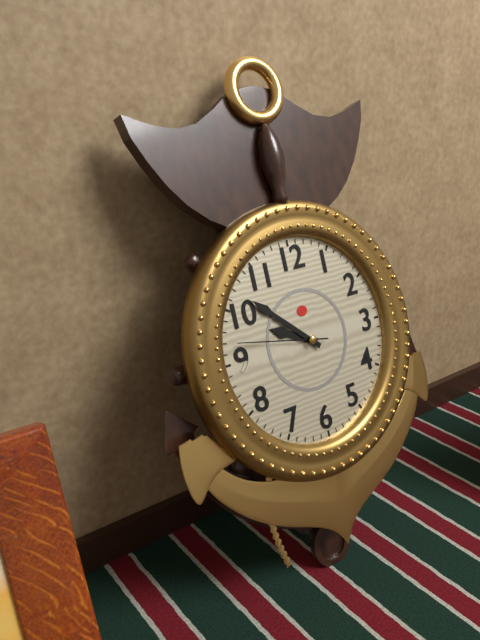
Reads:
9,52,47
